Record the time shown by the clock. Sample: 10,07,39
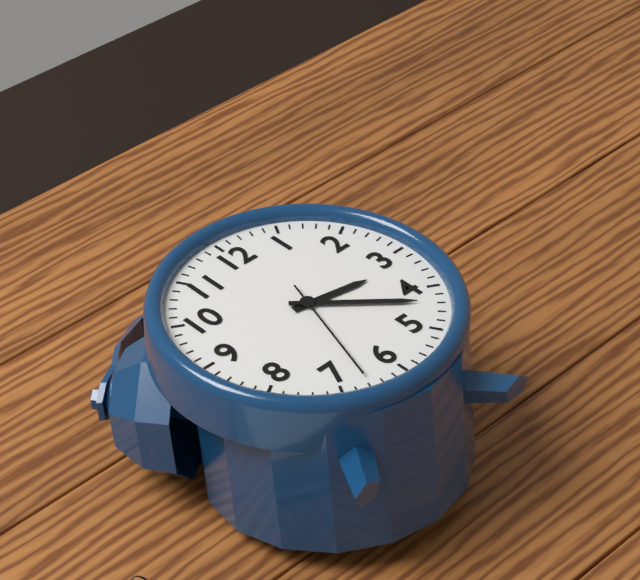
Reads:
3,22,33
